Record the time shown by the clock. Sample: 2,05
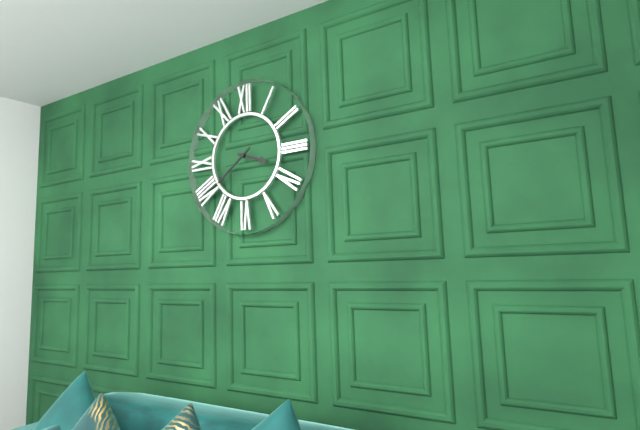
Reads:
3,39
